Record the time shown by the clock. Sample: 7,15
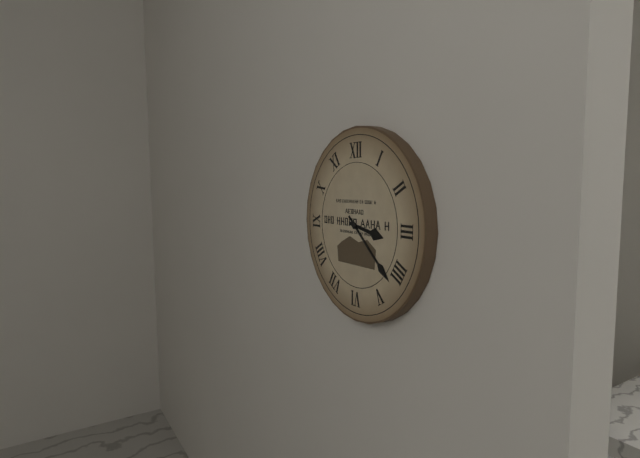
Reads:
3,22
